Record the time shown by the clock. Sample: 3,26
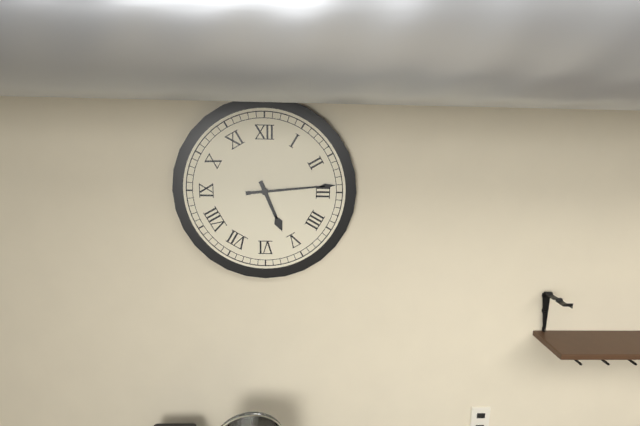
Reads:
5,14
